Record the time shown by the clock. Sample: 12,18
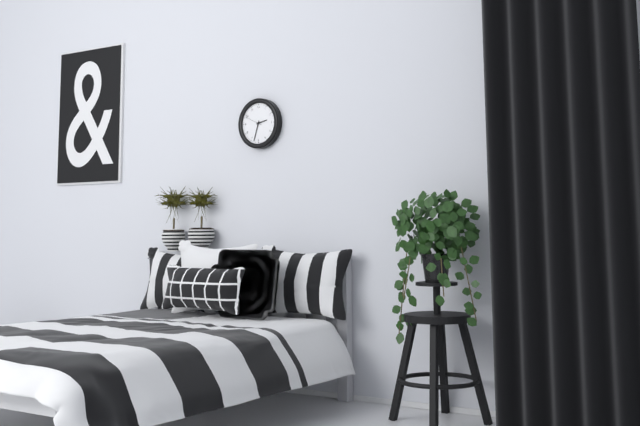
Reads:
2,33
